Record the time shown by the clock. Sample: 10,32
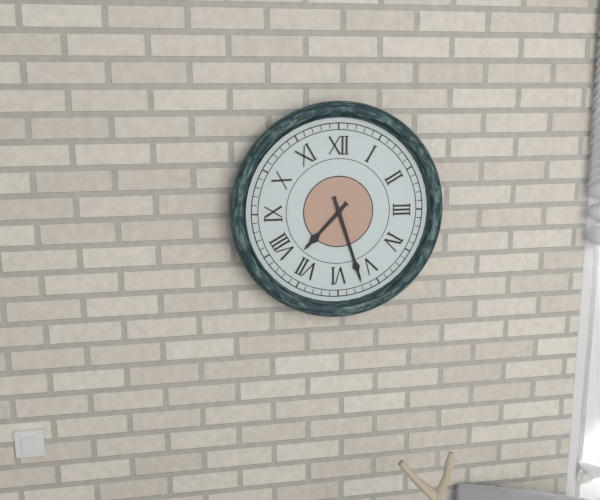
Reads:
7,27
